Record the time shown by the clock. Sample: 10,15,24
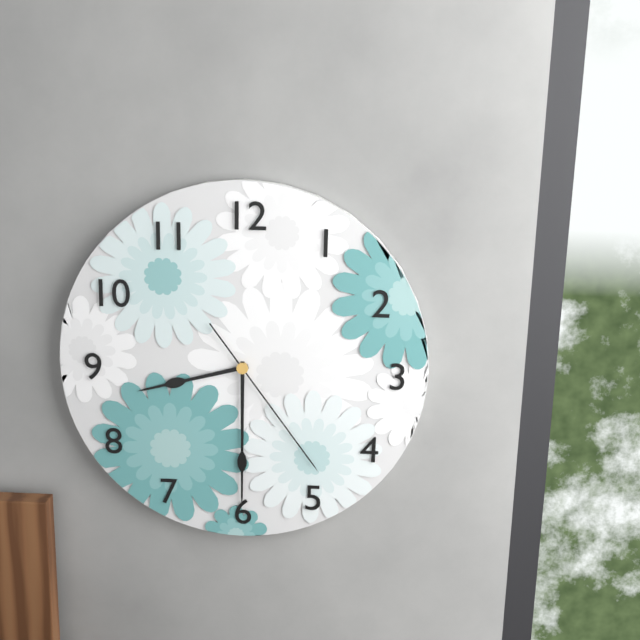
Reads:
8,30,24
